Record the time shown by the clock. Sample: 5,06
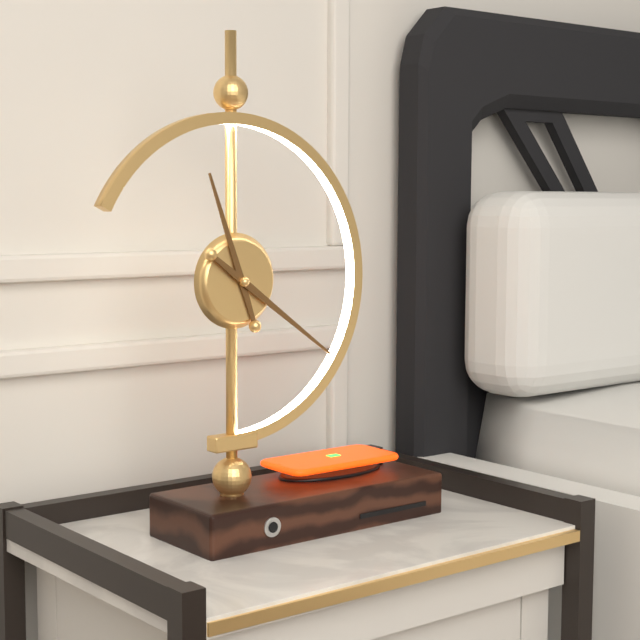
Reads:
11,21
